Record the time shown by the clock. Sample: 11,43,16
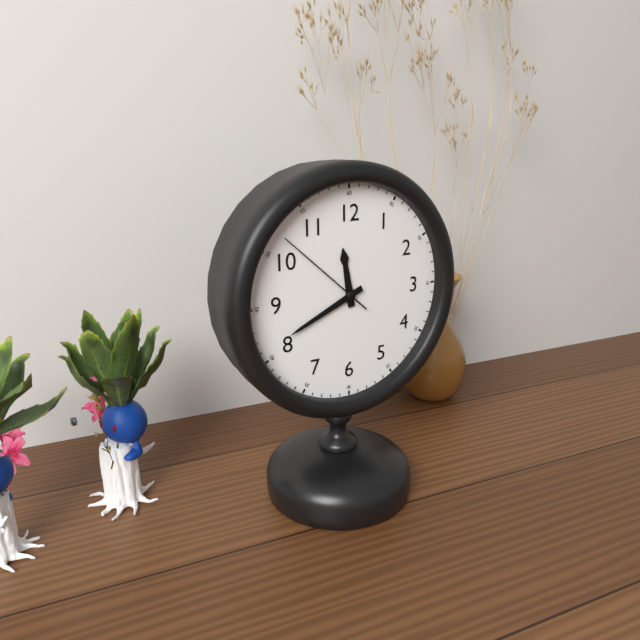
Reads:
11,41,52
